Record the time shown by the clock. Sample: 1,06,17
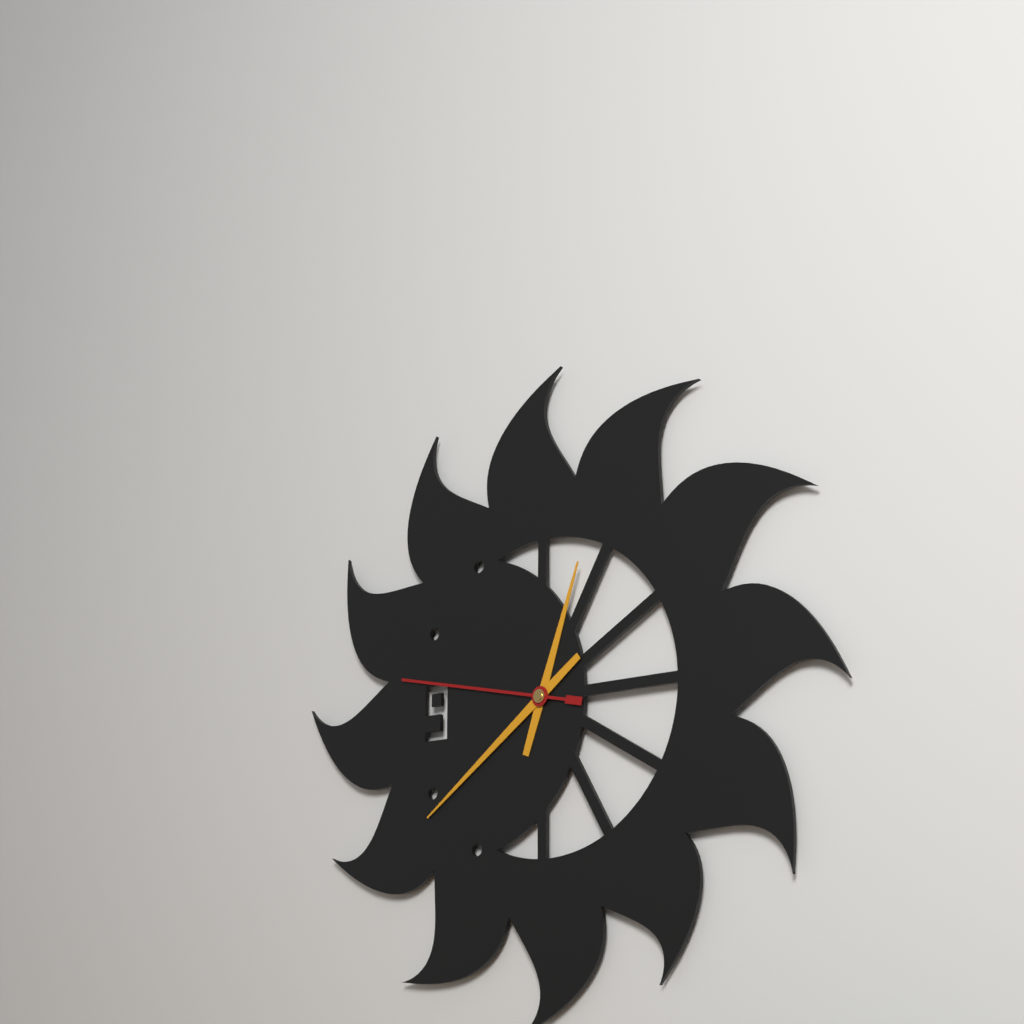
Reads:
12,39,47
